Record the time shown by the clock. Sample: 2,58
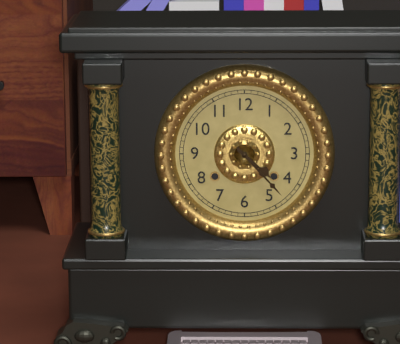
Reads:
4,23
